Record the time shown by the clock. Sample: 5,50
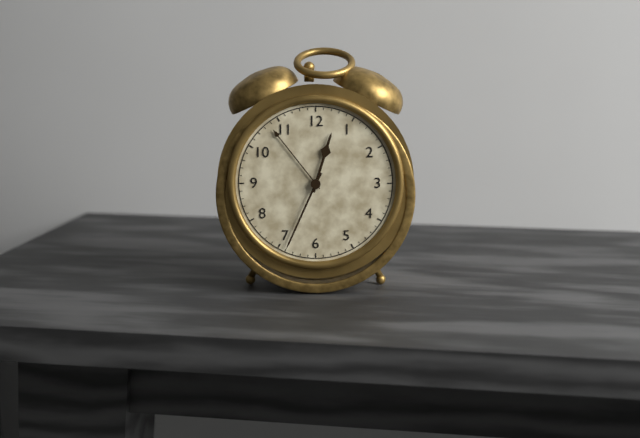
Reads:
12,34
